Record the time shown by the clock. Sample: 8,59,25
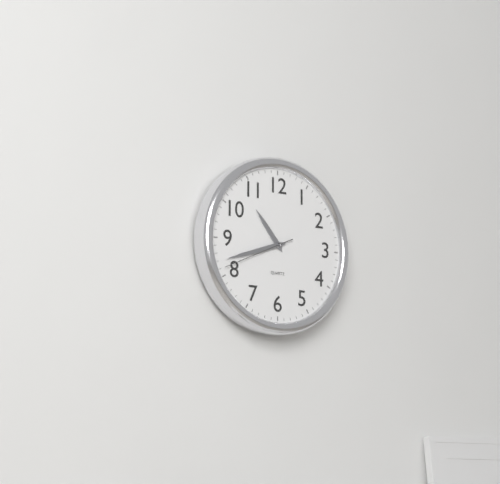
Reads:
10,42,41
